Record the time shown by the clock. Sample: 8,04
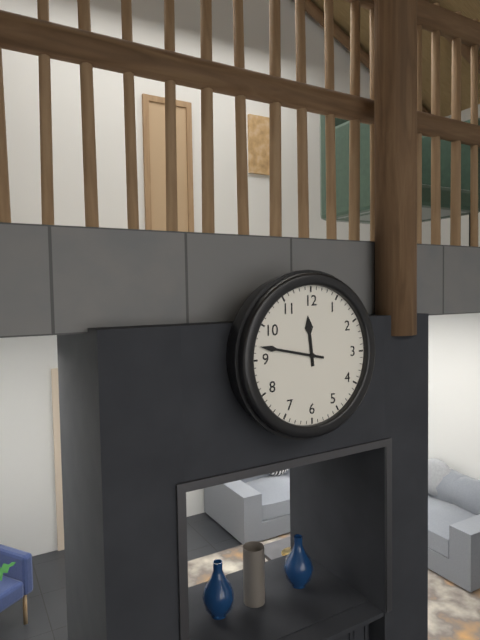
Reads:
11,47
